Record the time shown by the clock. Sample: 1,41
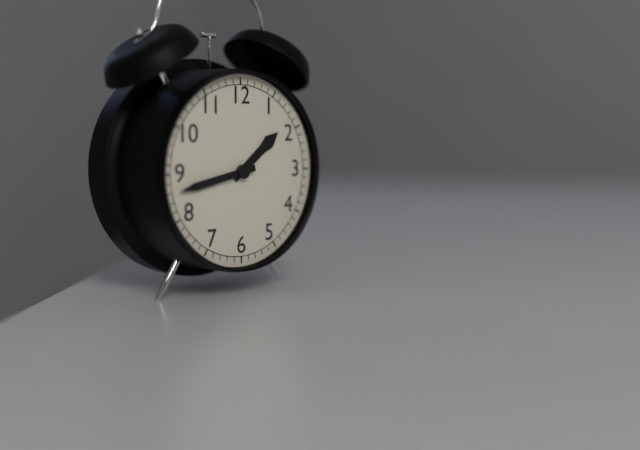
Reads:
1,43
